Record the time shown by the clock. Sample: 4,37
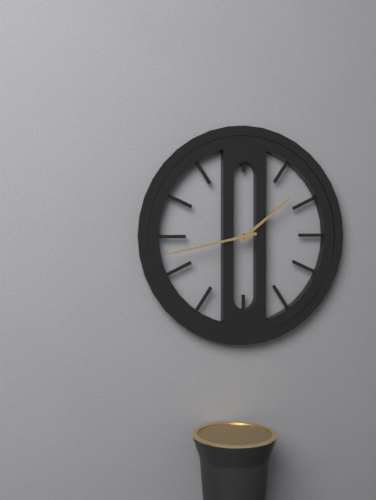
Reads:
1,43
